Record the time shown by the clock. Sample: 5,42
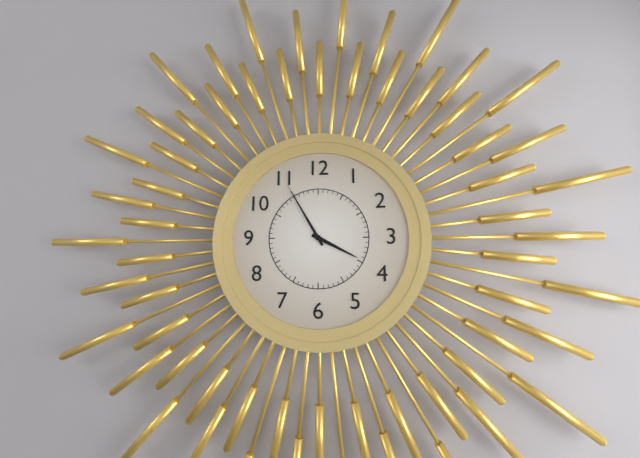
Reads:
3,55
